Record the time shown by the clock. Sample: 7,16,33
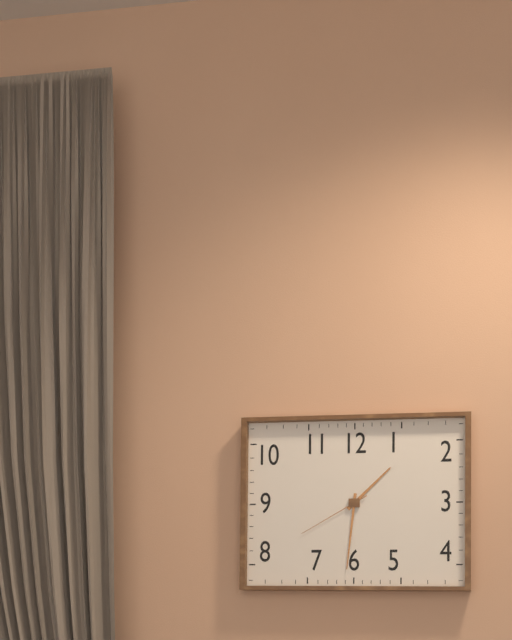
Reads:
1,31,40
